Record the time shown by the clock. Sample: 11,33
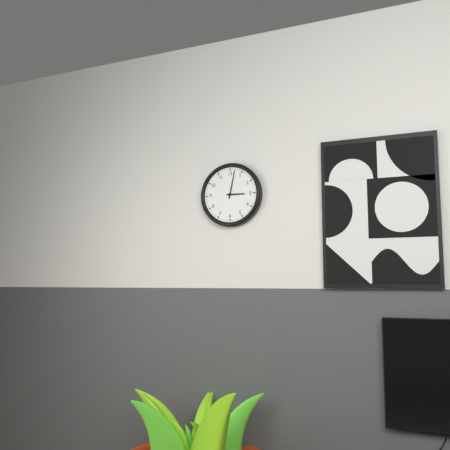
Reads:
3,02
